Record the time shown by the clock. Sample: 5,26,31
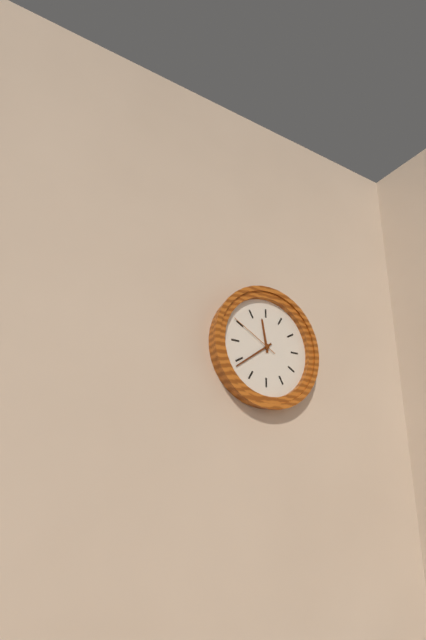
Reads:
11,39,50
